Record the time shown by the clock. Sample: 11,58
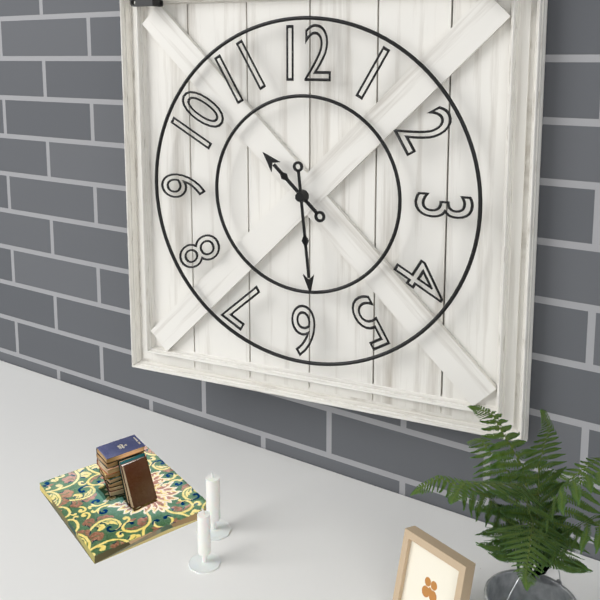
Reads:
10,29
